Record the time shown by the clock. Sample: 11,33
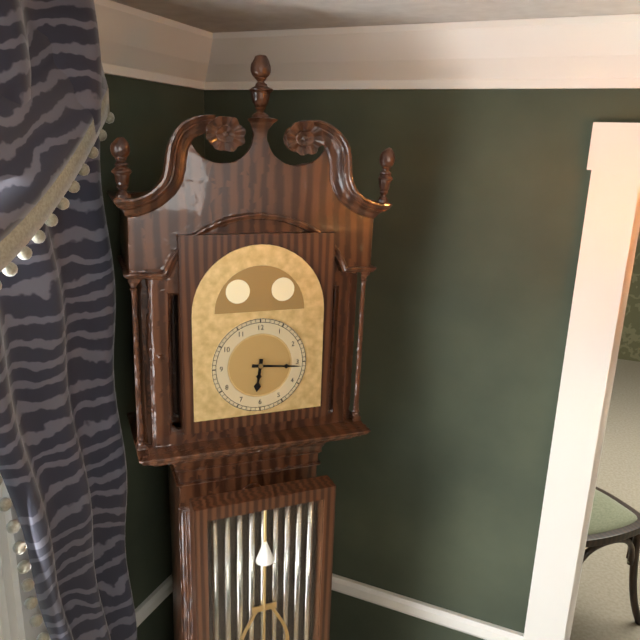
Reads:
6,16
